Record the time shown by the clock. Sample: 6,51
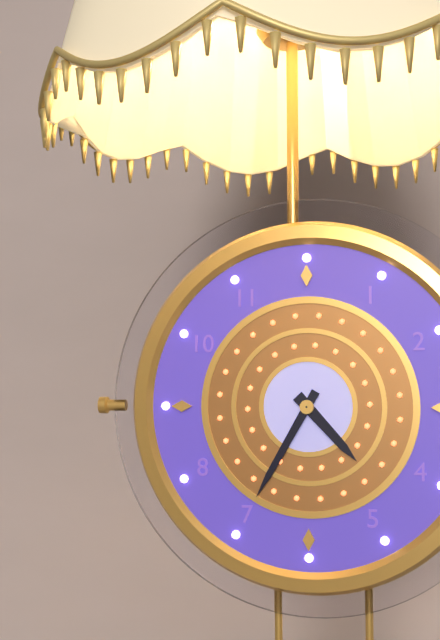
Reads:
4,35
